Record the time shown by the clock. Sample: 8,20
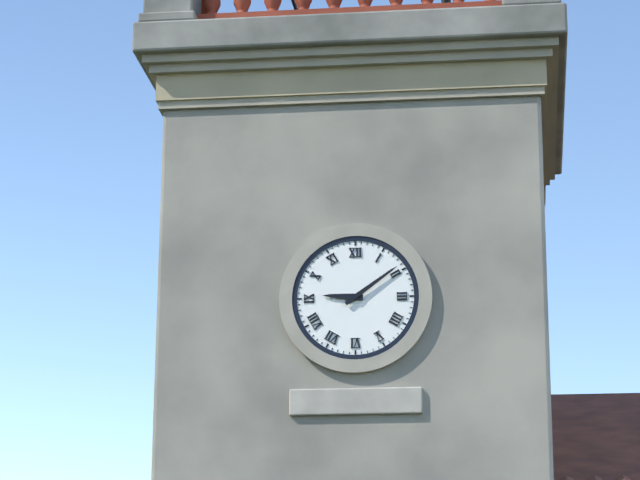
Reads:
9,09
